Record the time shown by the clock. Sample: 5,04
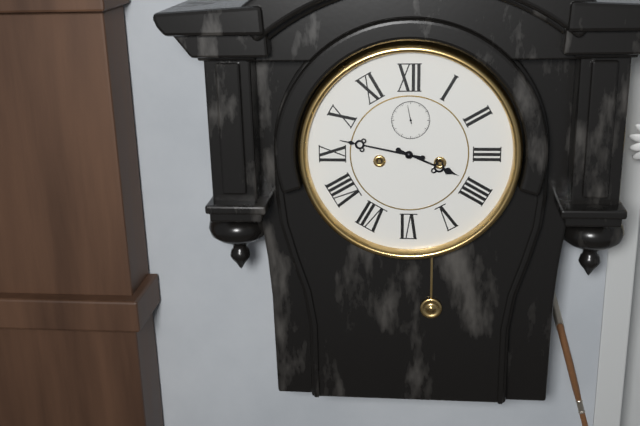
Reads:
3,47
